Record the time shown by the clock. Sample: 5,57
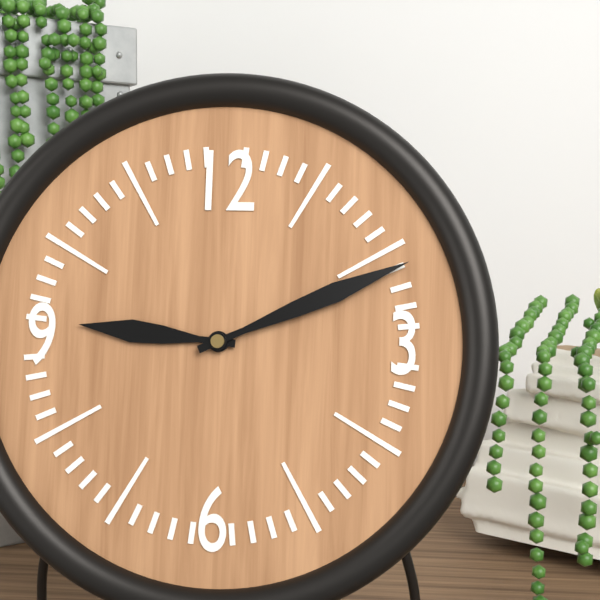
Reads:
9,11
